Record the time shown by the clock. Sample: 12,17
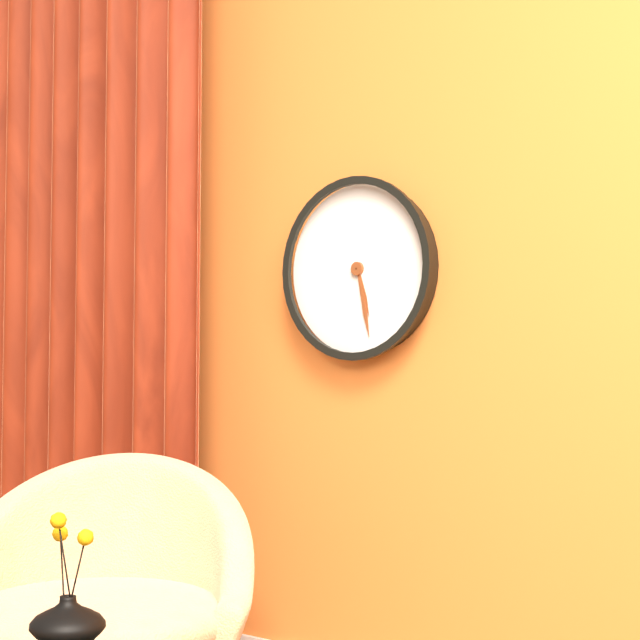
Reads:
5,28
